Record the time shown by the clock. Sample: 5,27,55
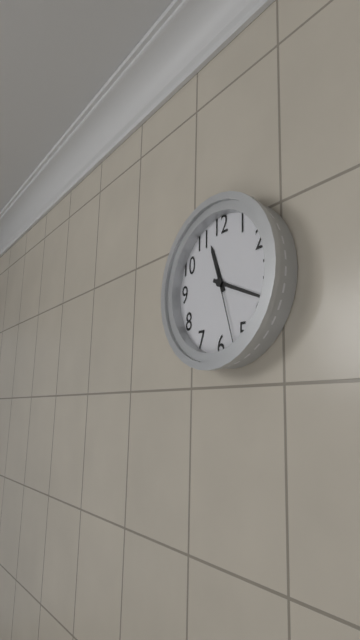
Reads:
11,19,27
